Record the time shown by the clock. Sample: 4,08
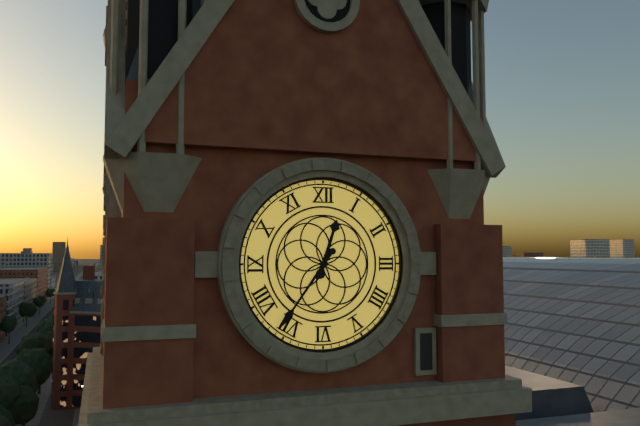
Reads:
12,36
